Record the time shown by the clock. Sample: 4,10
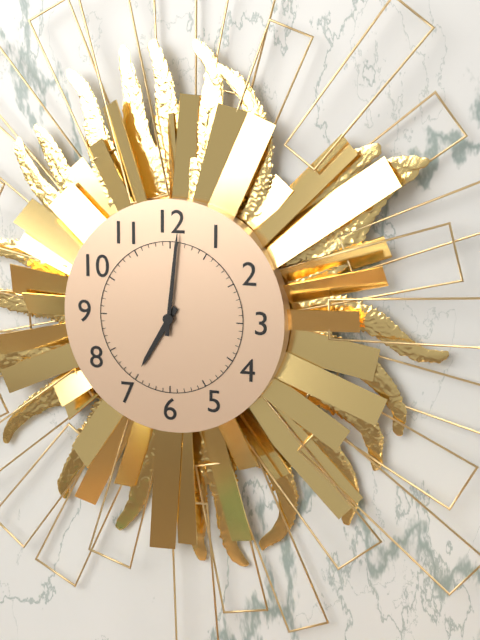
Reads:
7,01
